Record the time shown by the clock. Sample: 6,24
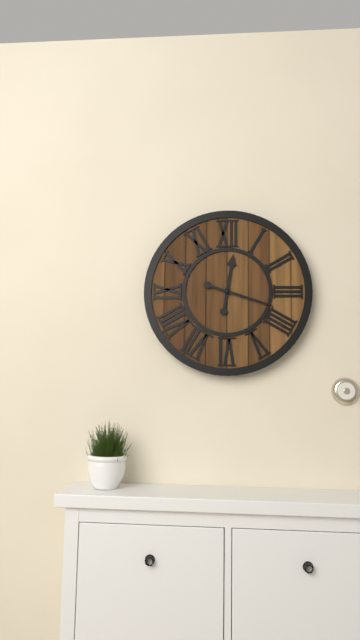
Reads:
12,18
